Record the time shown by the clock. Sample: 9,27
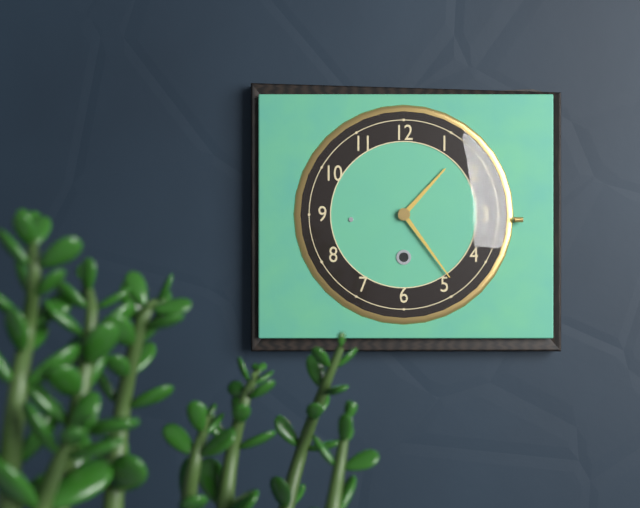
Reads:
1,24
